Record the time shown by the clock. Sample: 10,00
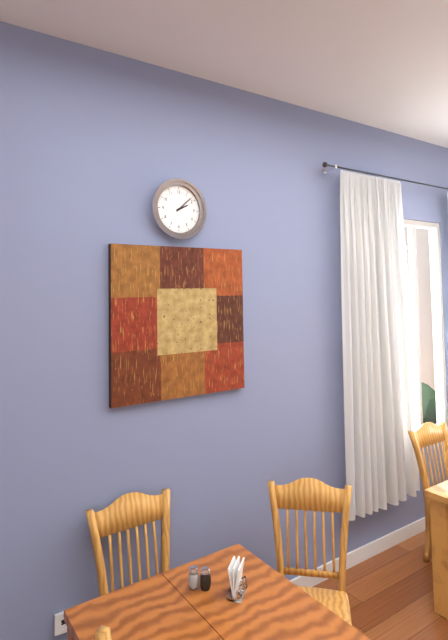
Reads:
2,08
